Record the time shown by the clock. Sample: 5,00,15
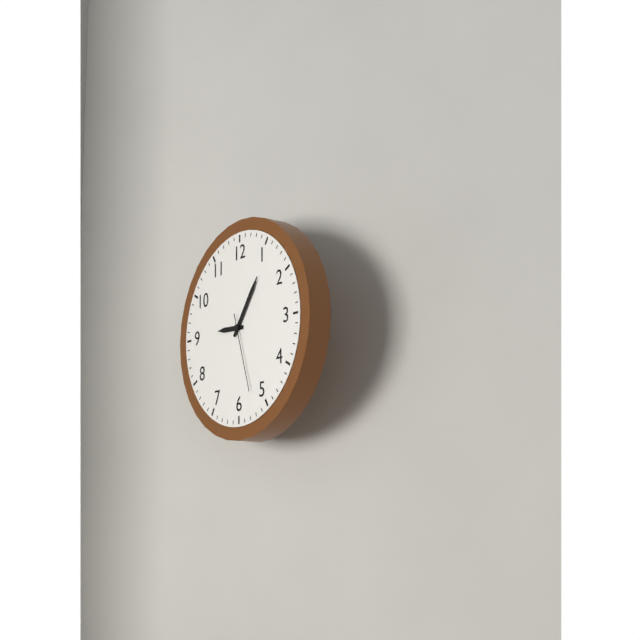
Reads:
9,06,27
